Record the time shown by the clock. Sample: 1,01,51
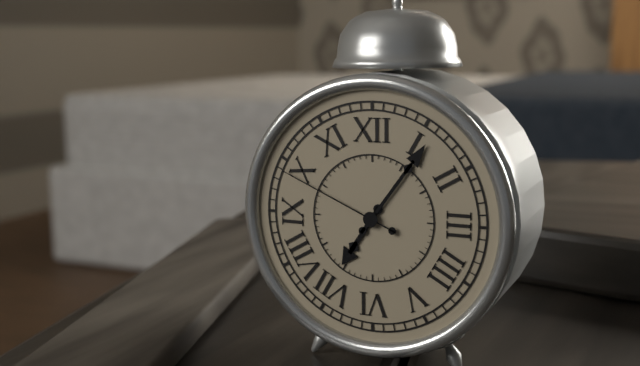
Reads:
7,06,49
